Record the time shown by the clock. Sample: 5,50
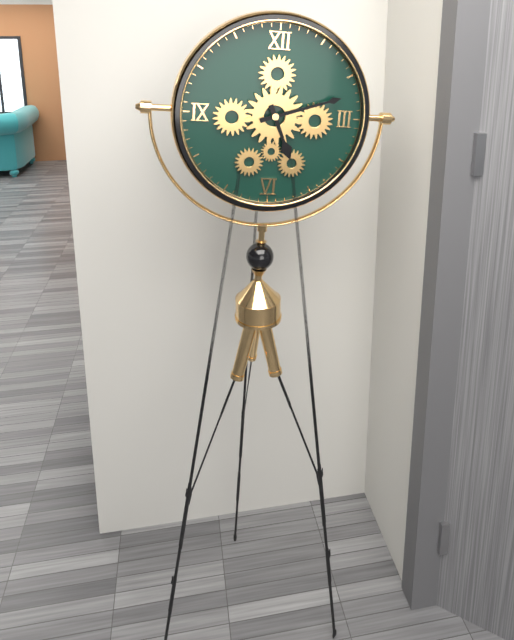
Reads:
5,12
